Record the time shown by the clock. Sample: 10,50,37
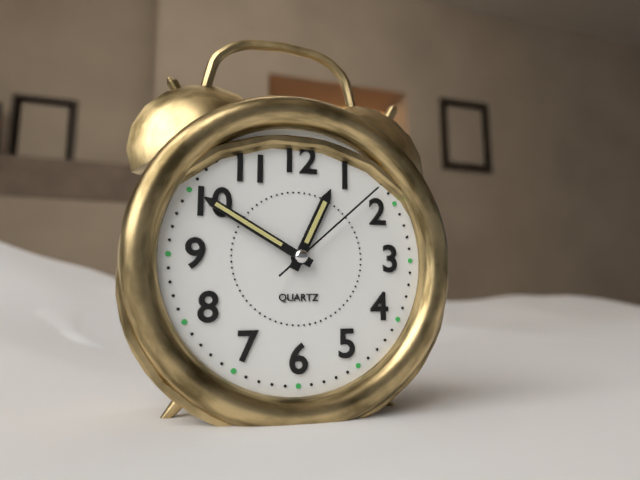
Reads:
12,50,08
